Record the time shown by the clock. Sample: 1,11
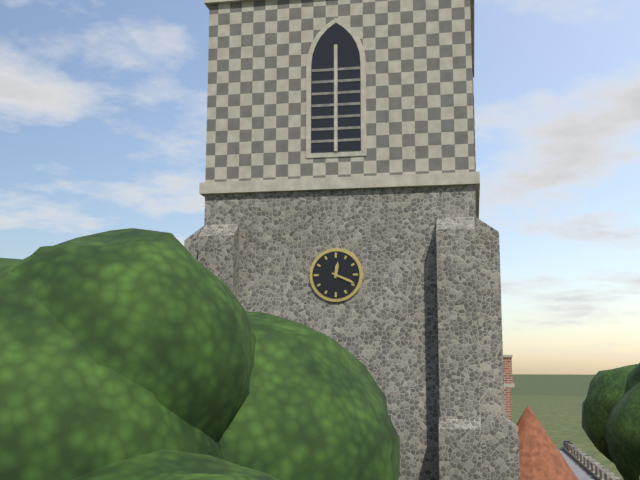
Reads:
12,19
